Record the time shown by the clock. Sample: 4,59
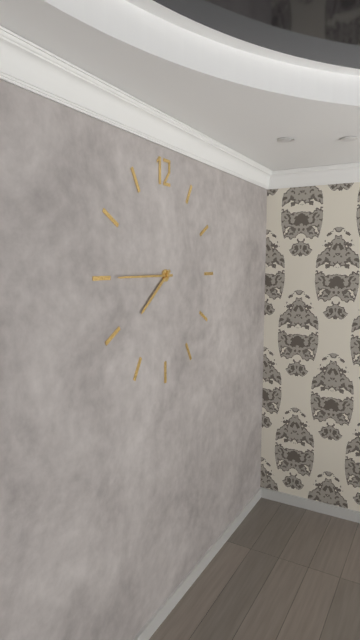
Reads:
7,45
